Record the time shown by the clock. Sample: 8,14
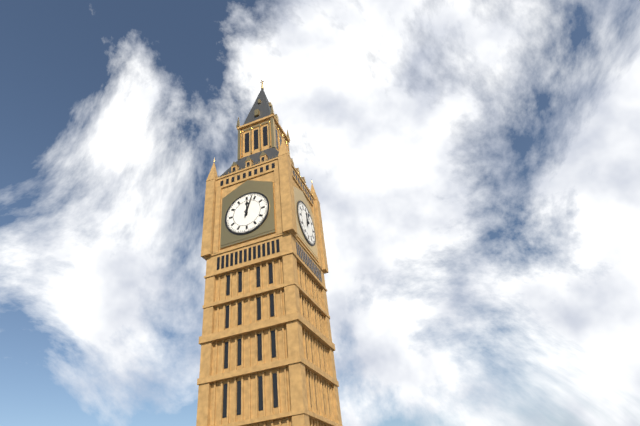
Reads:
12,03
